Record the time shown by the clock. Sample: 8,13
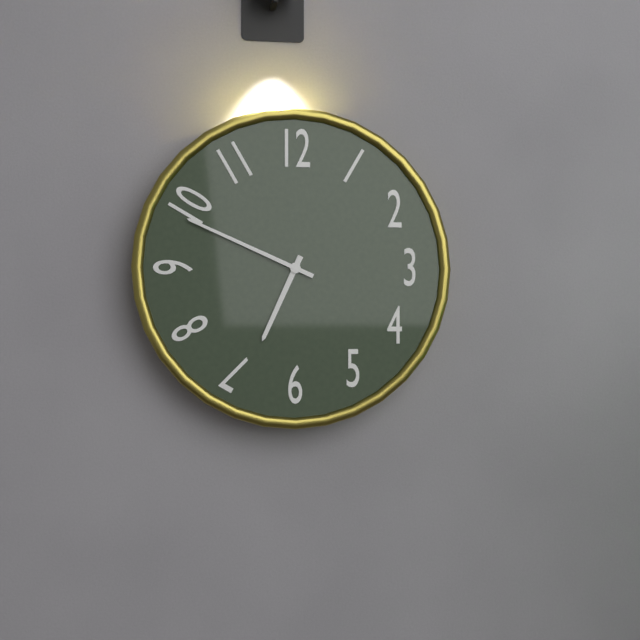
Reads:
6,49
